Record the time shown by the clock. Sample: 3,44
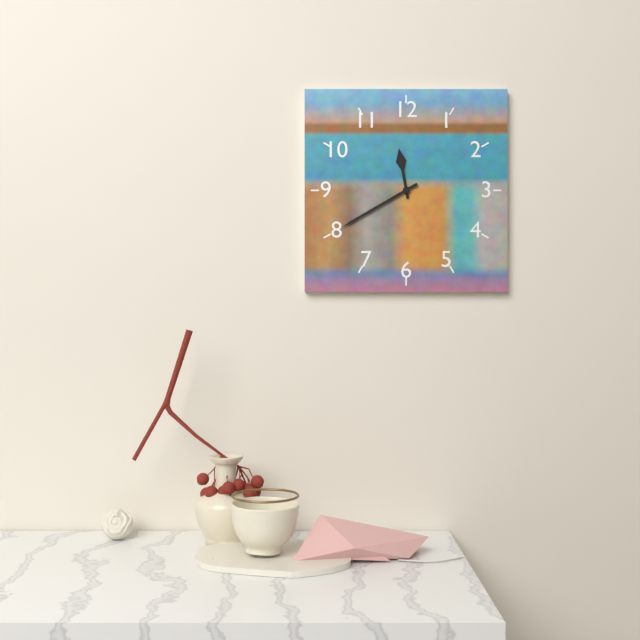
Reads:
11,40
